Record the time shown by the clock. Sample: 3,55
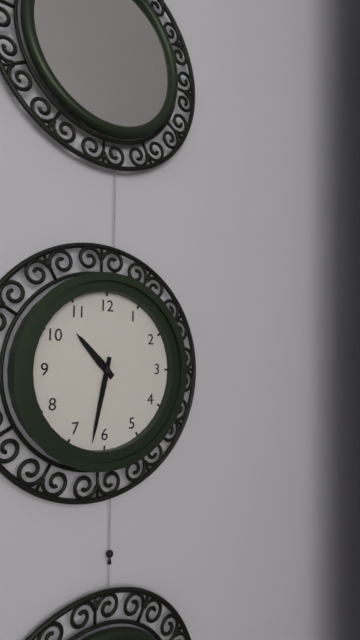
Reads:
10,32
